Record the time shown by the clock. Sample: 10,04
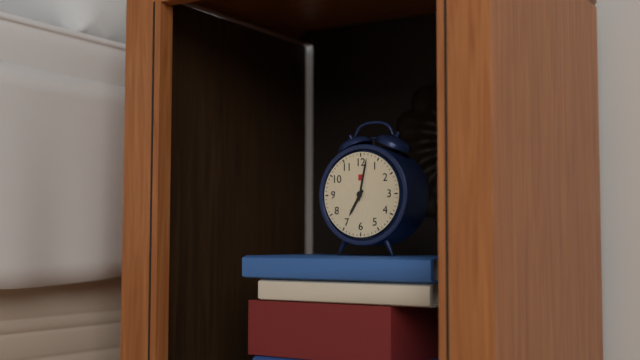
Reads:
7,02
